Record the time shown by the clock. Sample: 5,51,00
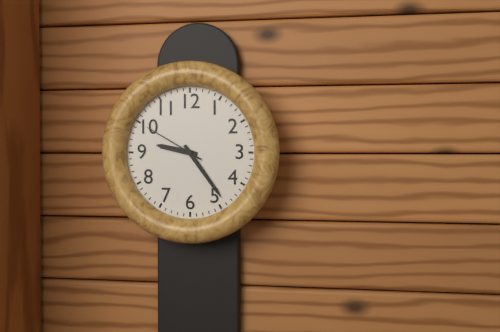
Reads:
9,24,50
